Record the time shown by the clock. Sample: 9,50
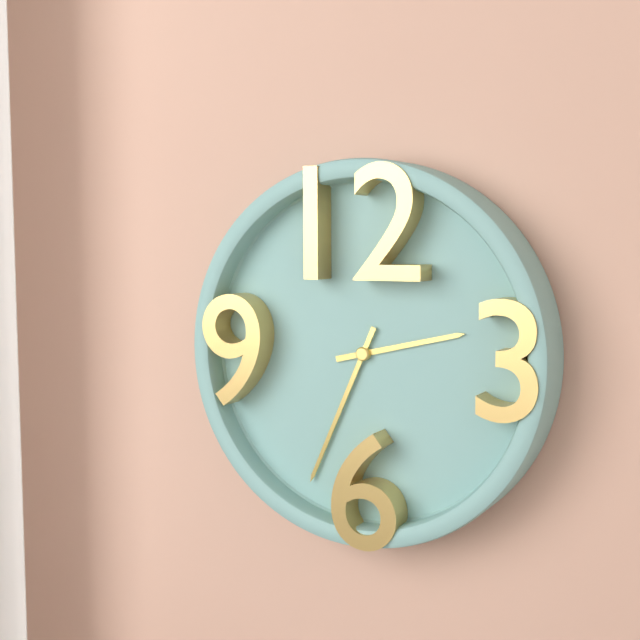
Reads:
2,34
